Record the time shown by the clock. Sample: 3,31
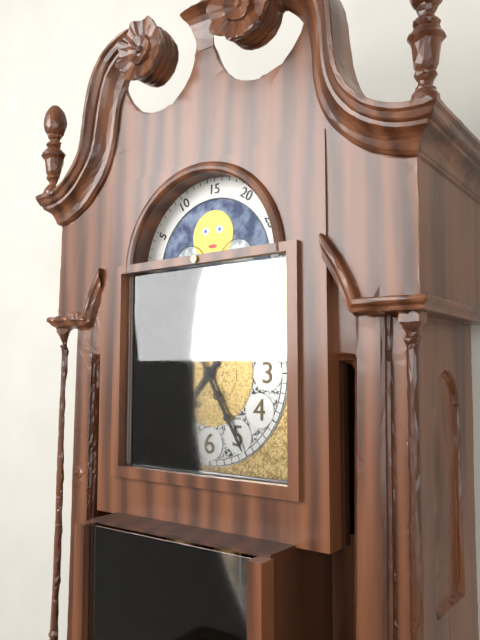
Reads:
7,25
